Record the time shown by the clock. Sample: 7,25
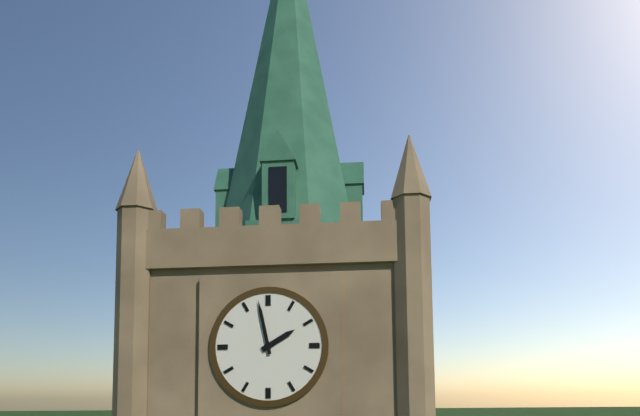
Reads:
1,58
